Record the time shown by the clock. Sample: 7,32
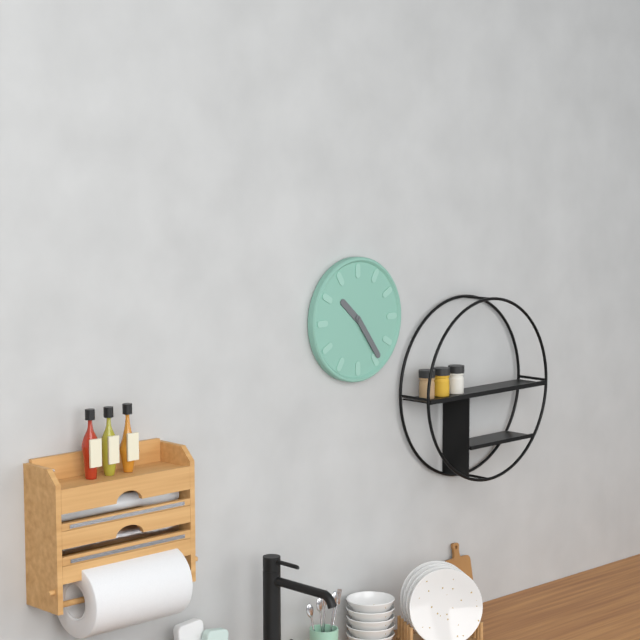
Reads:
10,24
